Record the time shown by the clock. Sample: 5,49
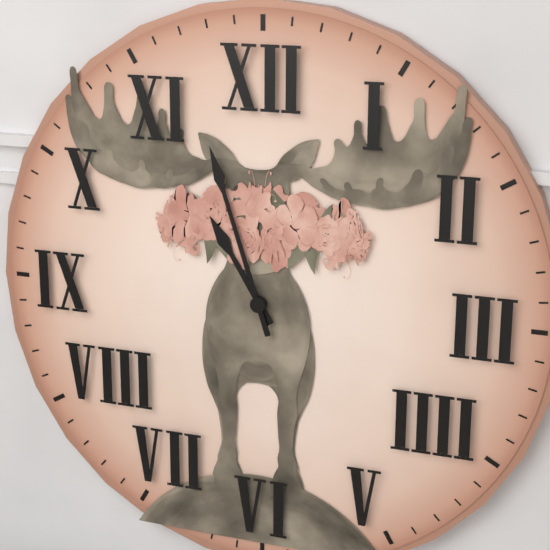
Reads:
10,57
